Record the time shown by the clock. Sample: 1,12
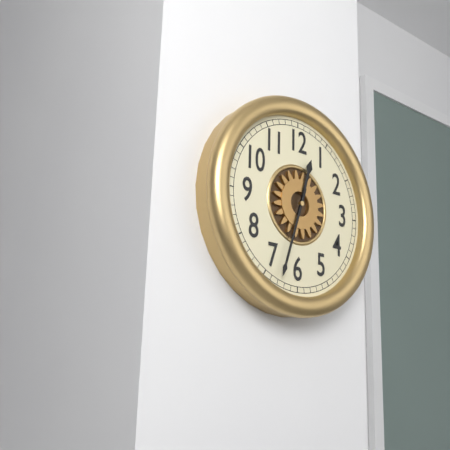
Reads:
12,33
